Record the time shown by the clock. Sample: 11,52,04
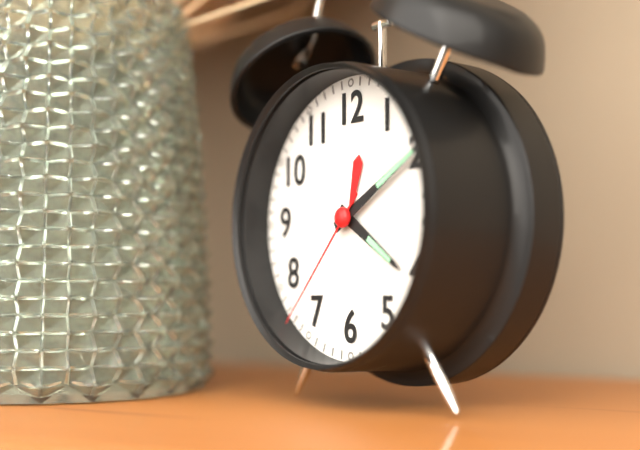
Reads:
4,10,37
